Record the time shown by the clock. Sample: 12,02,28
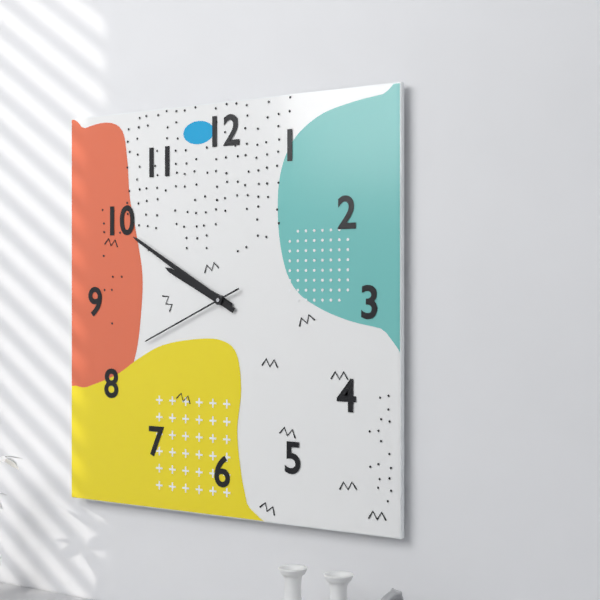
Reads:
9,50,41
